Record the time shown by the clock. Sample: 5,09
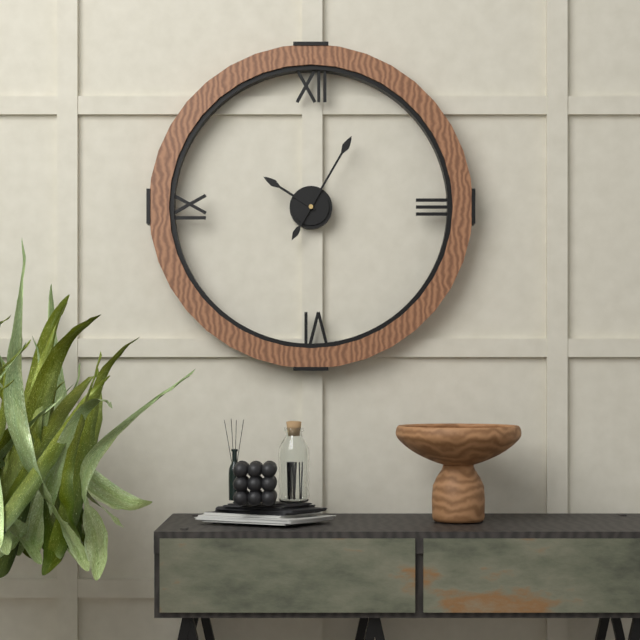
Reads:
10,05
